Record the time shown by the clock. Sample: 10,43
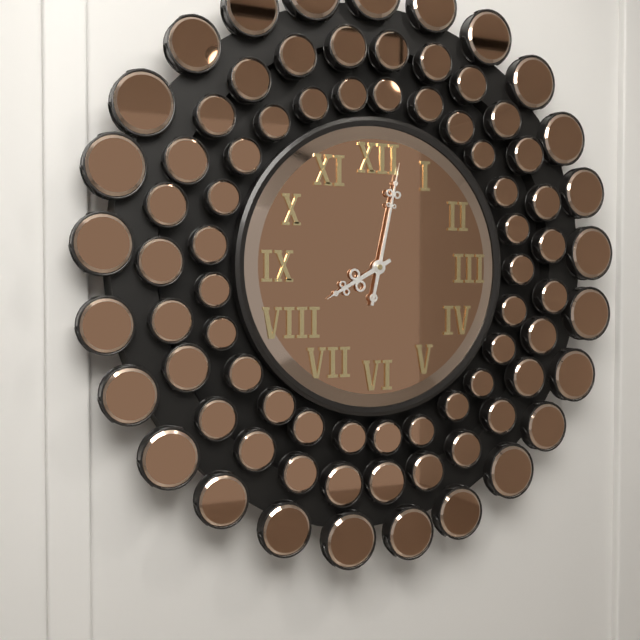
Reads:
8,02
